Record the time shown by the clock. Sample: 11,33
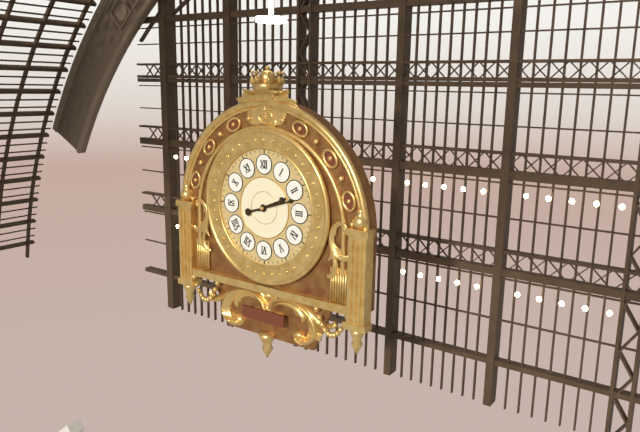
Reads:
2,12
